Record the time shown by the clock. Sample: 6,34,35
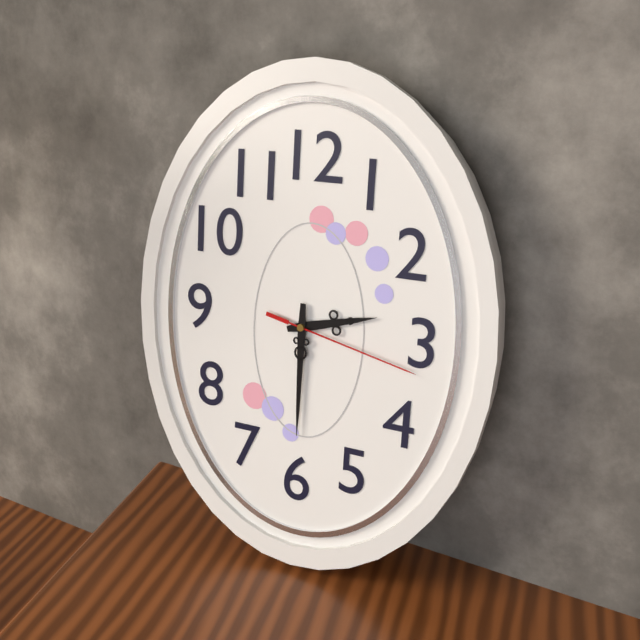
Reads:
2,30,17
